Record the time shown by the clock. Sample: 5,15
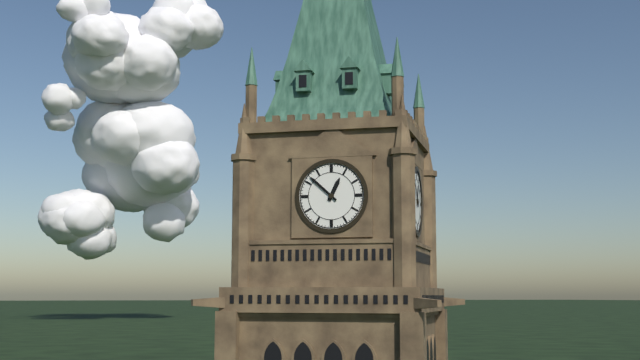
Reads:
12,52
